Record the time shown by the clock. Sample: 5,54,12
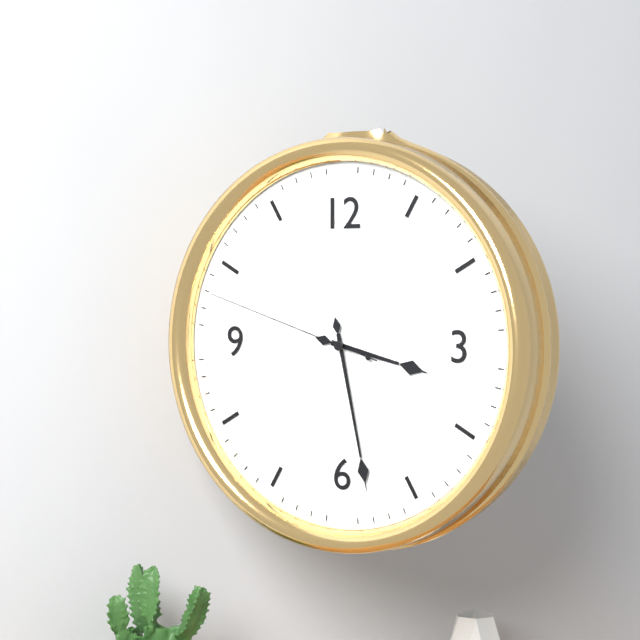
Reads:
3,28,48
